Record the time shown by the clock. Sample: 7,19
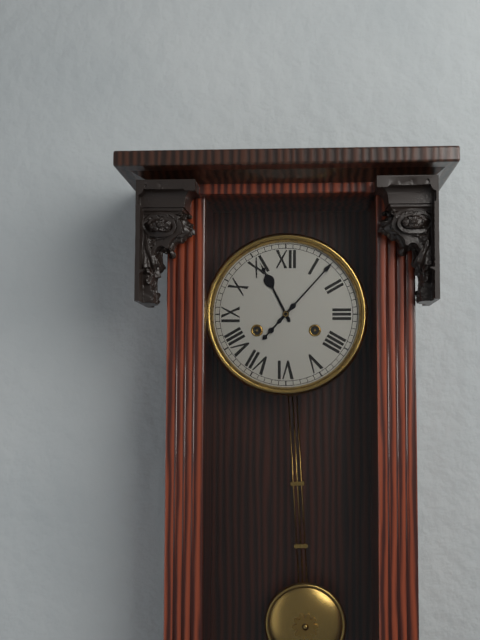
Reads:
11,07
